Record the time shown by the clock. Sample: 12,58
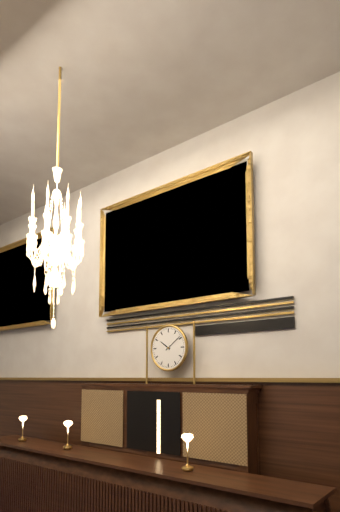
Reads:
10,09
